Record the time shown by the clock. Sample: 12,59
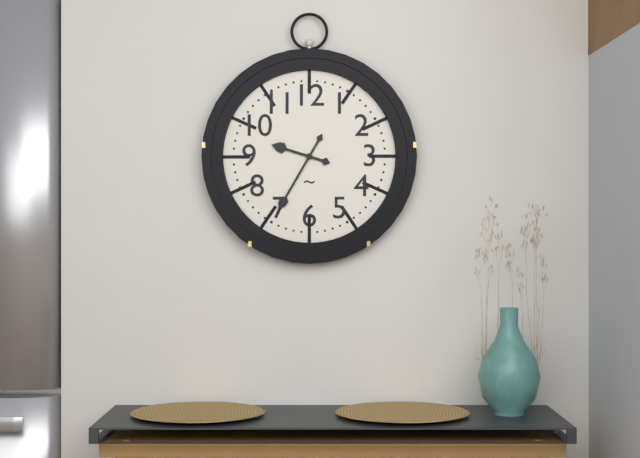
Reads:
9,35
